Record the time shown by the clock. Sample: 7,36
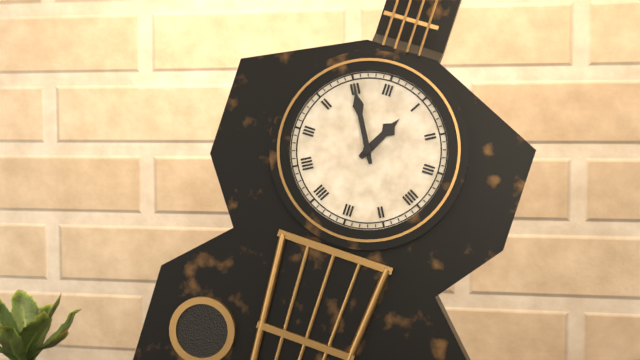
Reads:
12,55
